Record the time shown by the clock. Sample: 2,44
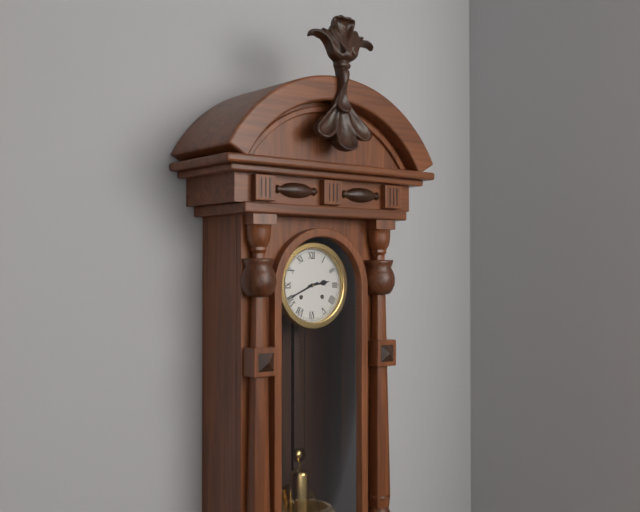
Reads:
2,41
